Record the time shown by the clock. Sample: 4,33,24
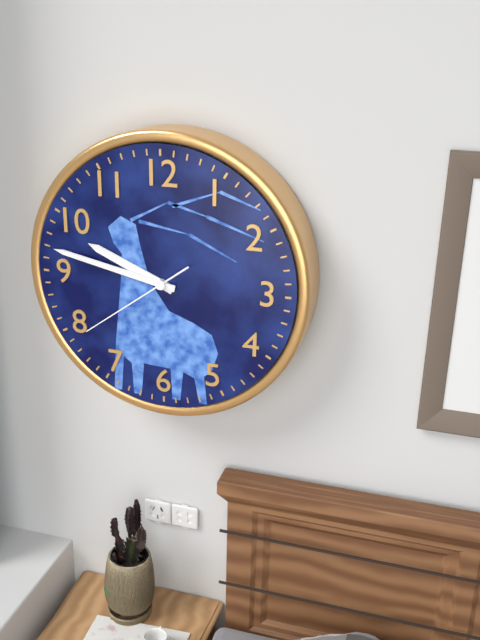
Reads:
9,47,39
